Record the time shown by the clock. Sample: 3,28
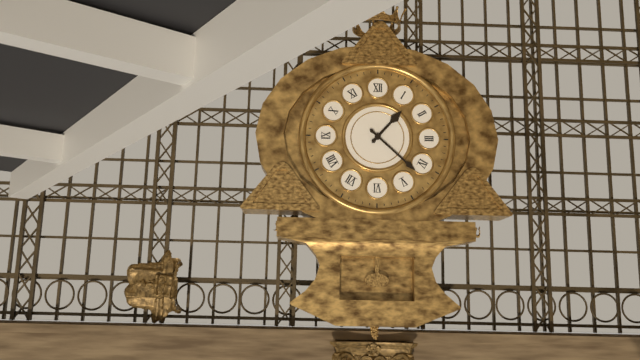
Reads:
1,22
